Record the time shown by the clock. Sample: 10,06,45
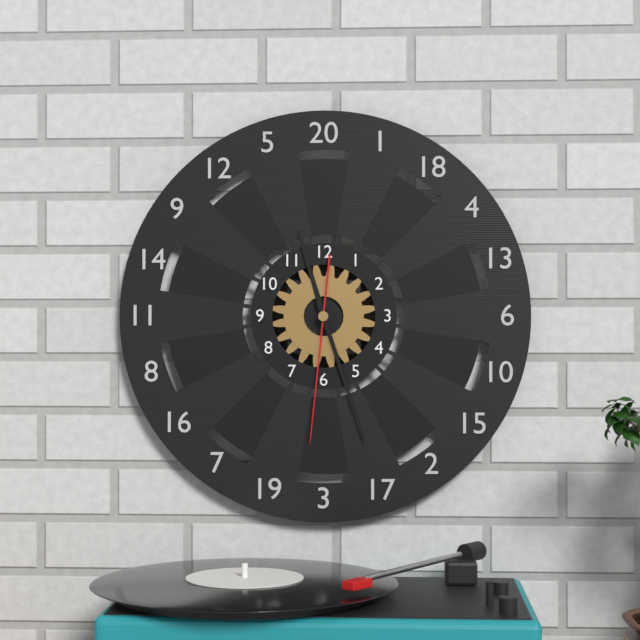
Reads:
11,27,31
